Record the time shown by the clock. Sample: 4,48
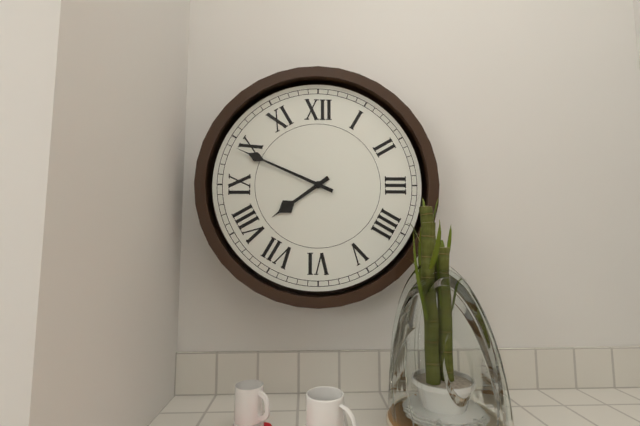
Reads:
7,49
